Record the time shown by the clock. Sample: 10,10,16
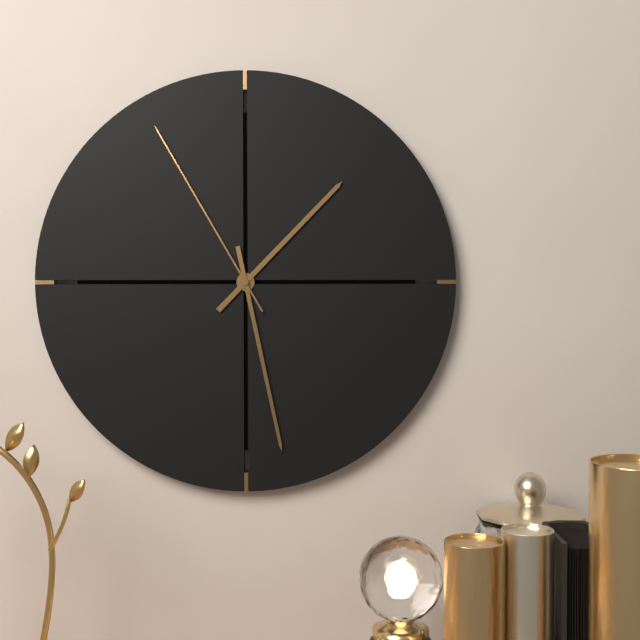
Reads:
1,28,55
